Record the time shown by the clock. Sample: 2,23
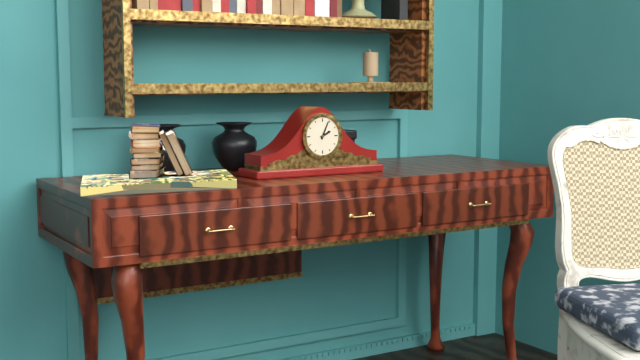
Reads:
2,04
